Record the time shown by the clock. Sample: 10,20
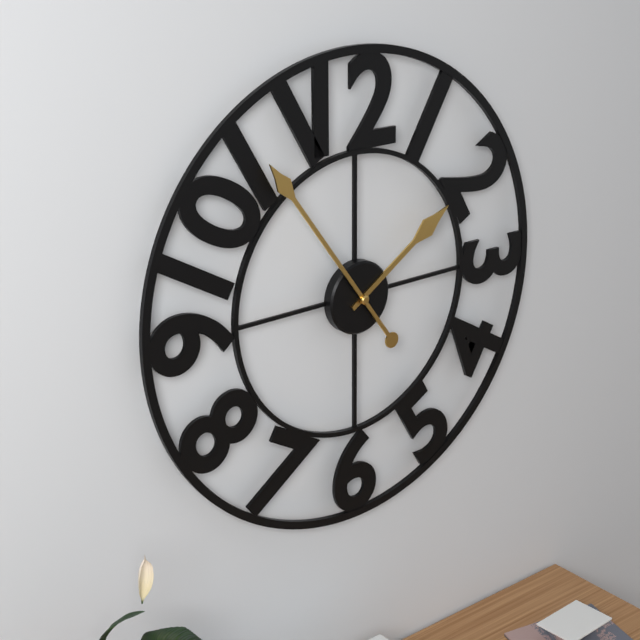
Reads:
1,54
